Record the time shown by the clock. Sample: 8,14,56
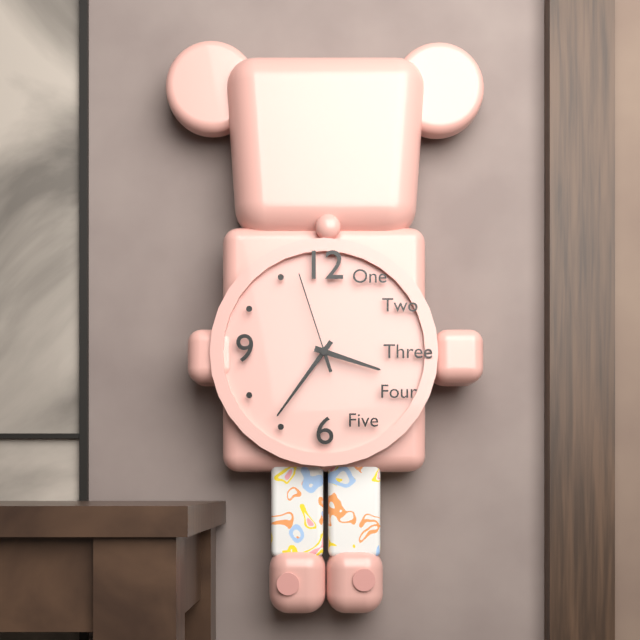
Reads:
3,36,57
